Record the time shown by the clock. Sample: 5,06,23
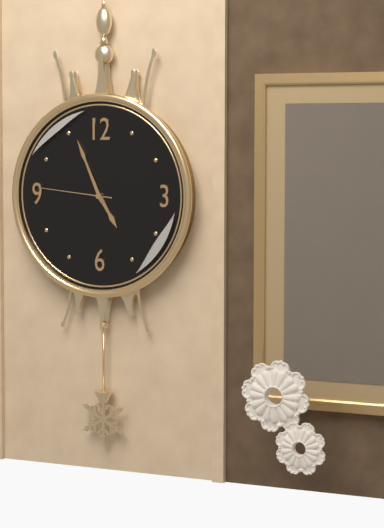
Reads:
4,56,46
